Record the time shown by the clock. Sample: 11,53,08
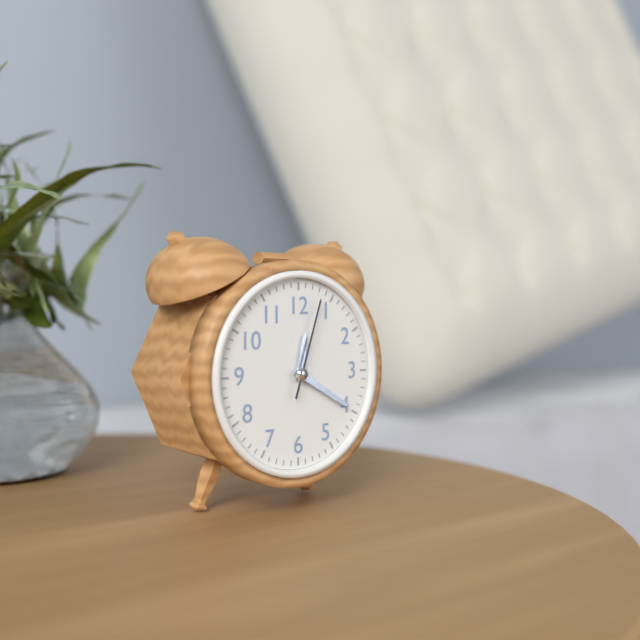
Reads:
12,20,03
